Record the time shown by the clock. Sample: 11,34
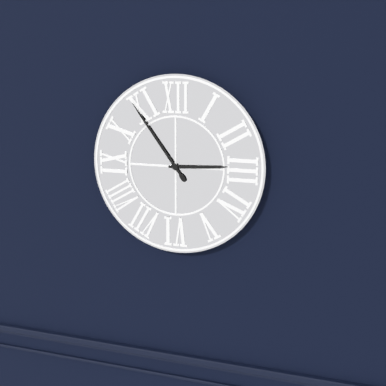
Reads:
2,54
